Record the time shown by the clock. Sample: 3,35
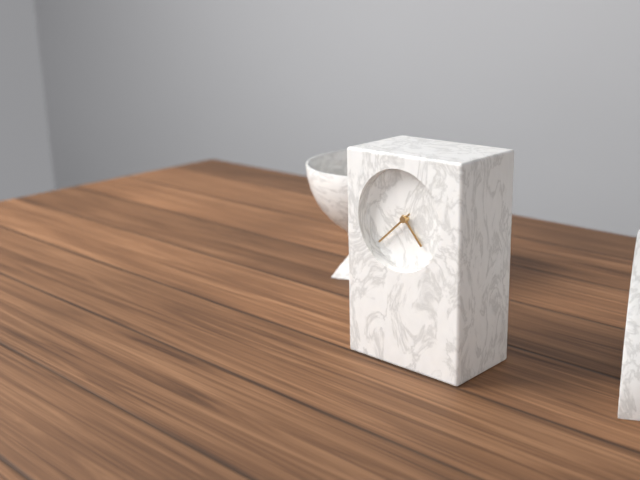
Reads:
4,38
